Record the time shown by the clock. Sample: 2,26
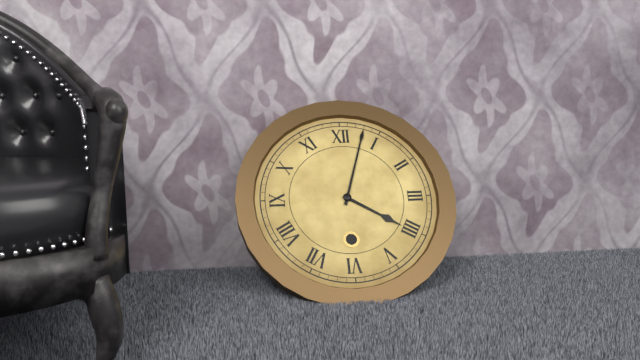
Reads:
4,03
